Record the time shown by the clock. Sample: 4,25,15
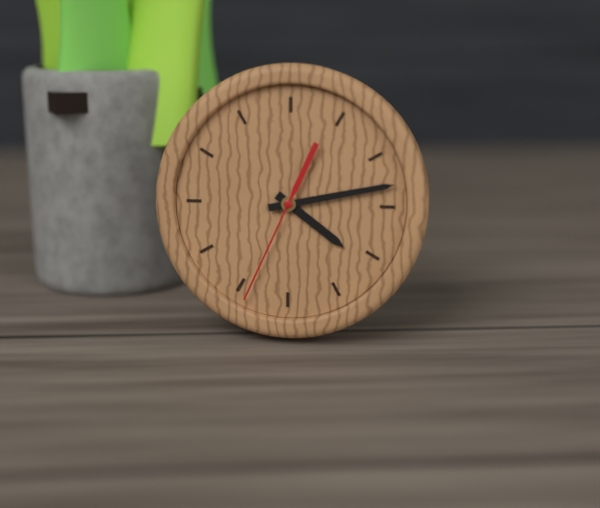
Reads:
4,13,34
